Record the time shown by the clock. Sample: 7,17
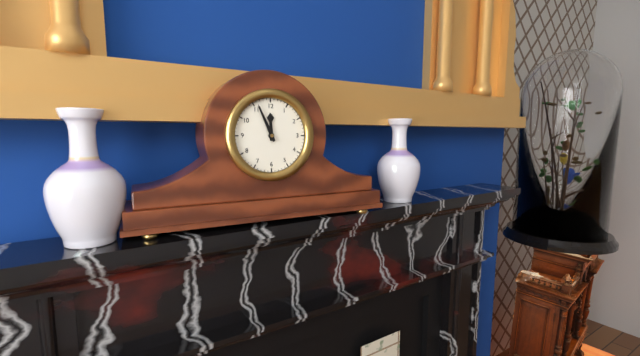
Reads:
11,56
